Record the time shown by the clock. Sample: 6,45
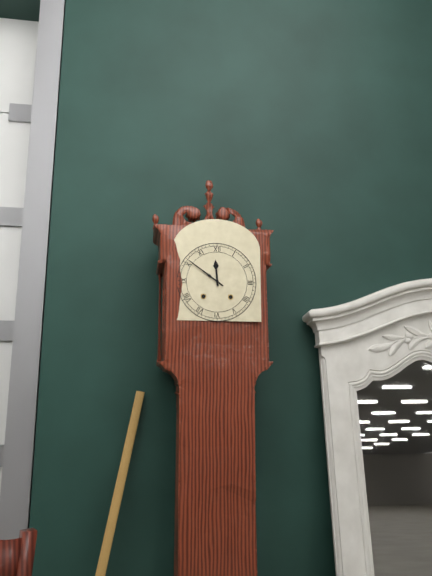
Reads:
11,51
